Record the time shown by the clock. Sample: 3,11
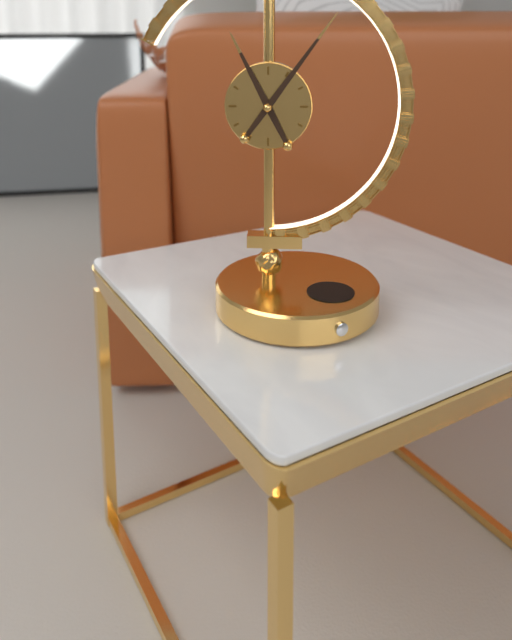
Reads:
11,06
